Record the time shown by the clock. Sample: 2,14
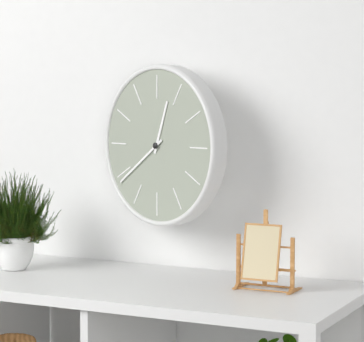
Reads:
12,39
